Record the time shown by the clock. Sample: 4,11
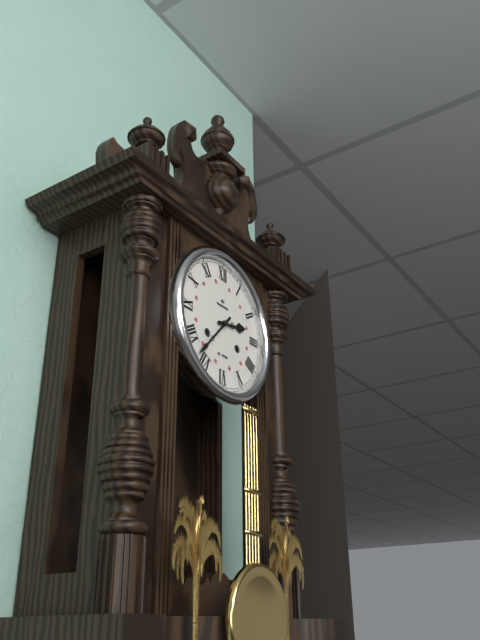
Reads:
2,37
